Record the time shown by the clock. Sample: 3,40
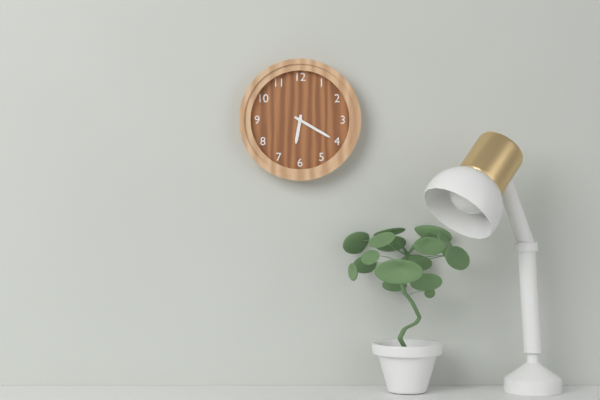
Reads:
6,20
